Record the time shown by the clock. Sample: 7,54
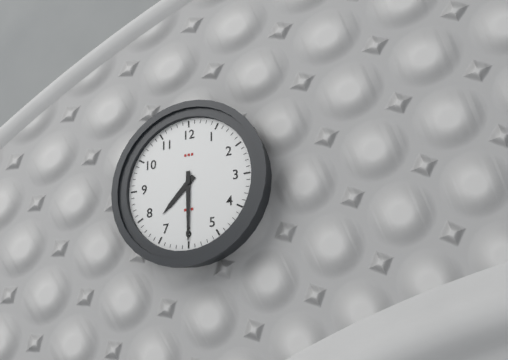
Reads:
7,30
